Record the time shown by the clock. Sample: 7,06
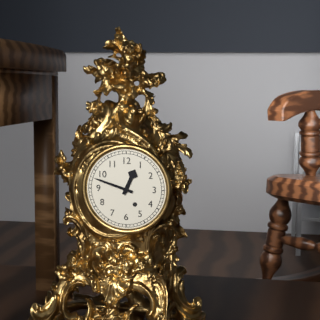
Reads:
12,48
